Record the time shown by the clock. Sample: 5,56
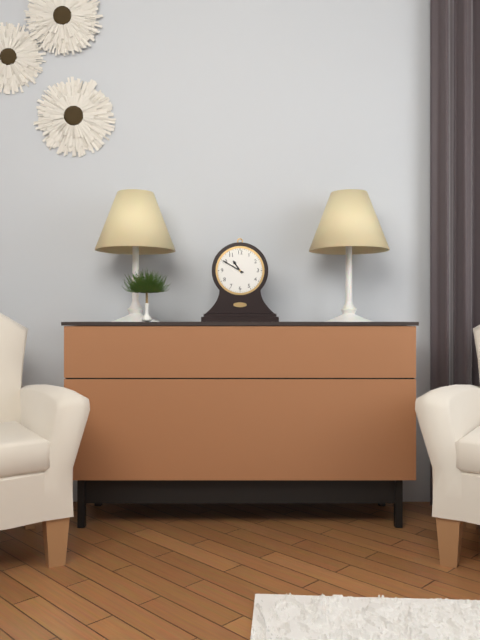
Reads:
10,50
